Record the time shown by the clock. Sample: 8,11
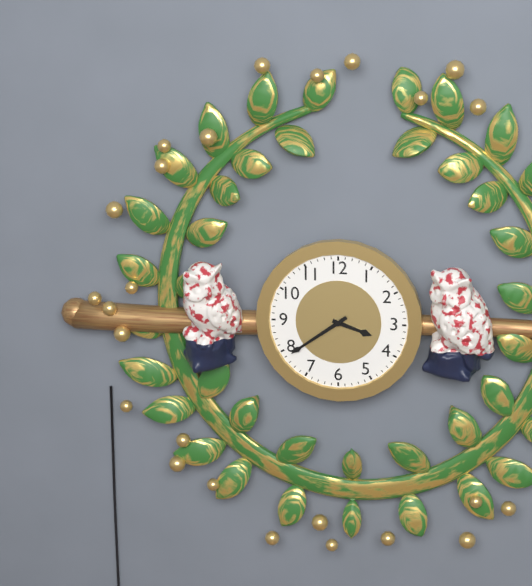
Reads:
3,39
